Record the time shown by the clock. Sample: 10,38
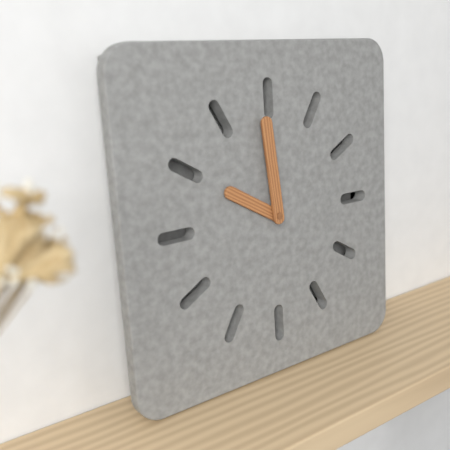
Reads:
9,59
